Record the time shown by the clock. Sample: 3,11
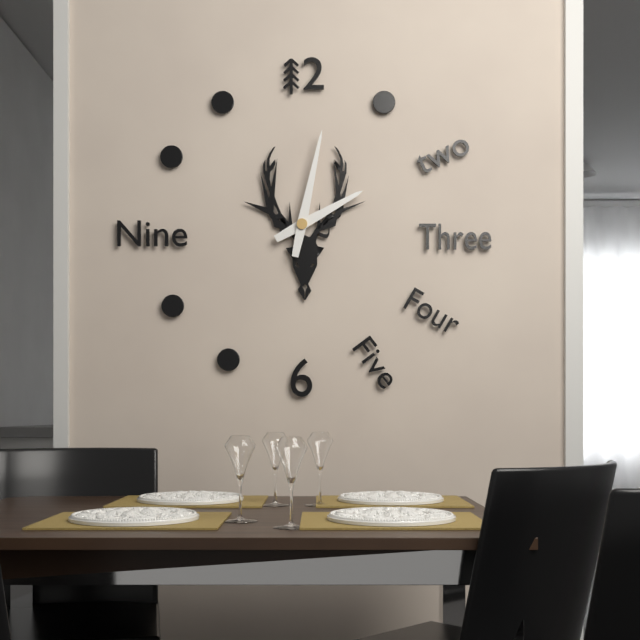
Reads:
2,02
